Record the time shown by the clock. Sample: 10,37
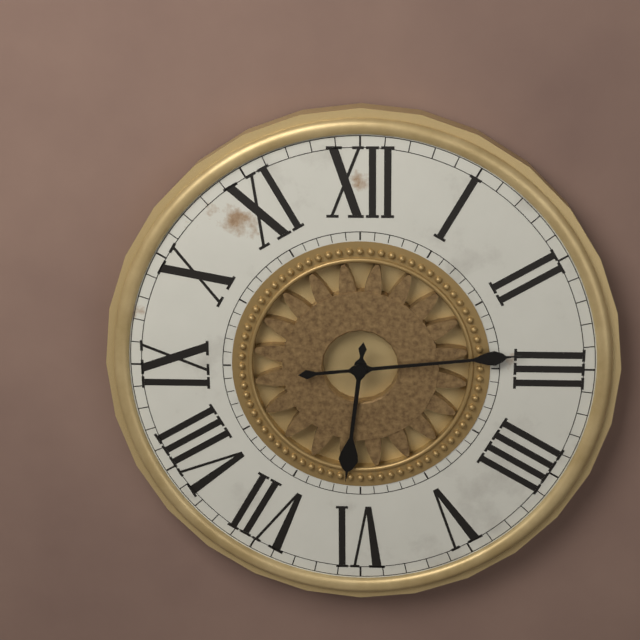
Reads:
6,14
